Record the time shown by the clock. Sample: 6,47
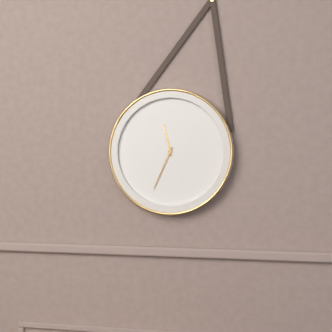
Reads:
11,34
